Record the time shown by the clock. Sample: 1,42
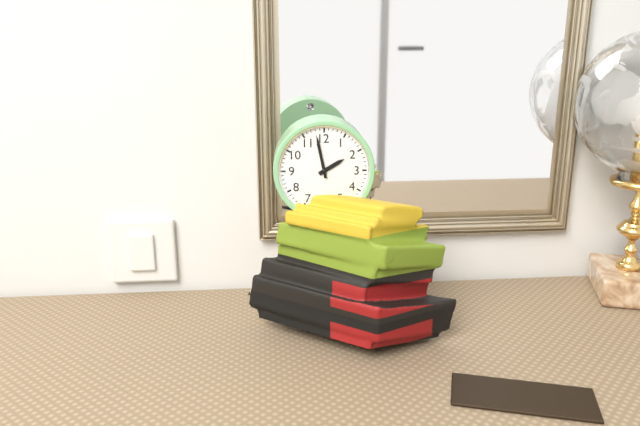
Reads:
1,58
